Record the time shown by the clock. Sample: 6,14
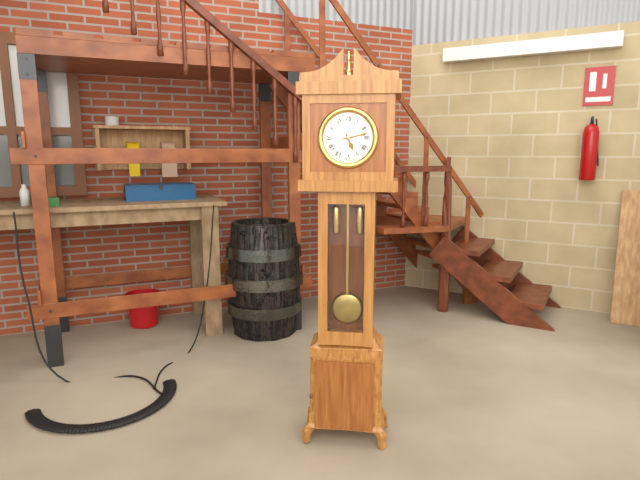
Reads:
5,13
